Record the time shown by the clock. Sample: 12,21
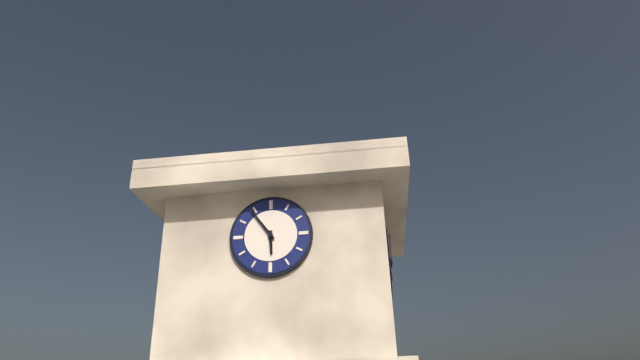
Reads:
5,54
